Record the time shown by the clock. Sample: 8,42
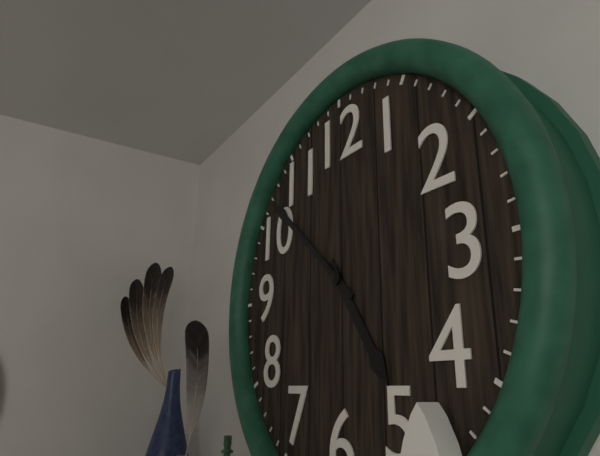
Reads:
4,52
